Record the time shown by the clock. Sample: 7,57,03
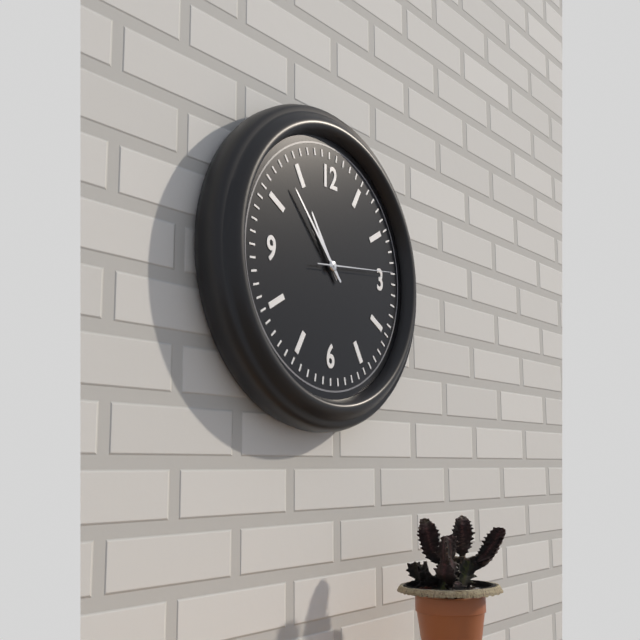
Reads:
10,53,14
